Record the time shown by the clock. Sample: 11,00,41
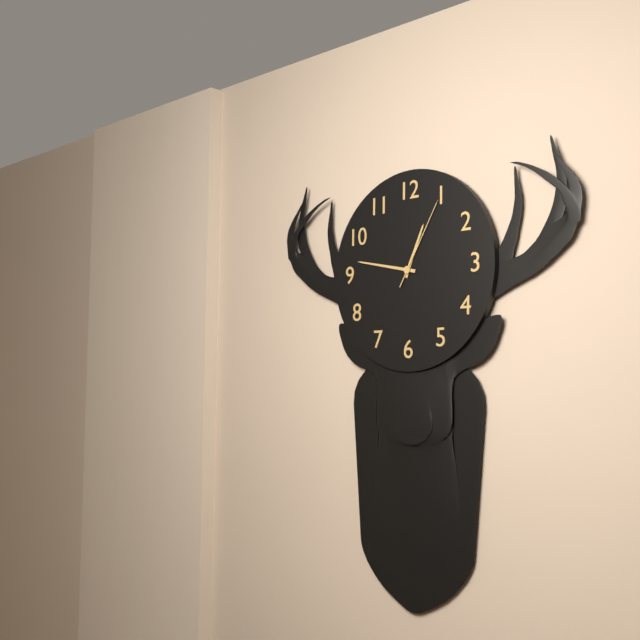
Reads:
12,47,05
